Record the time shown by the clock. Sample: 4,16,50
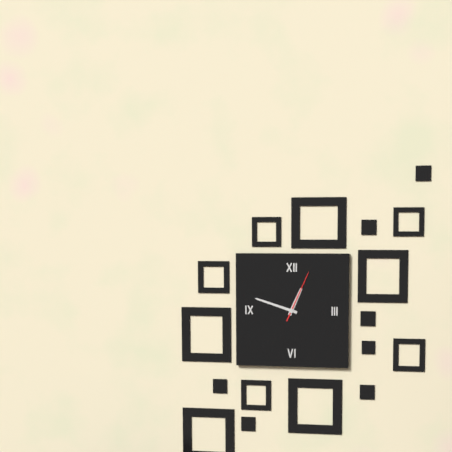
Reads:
12,48,04
